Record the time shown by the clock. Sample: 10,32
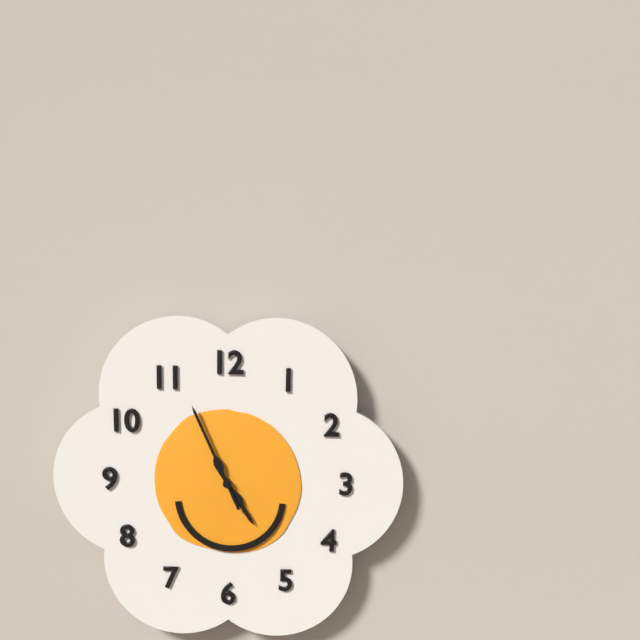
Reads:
4,56
